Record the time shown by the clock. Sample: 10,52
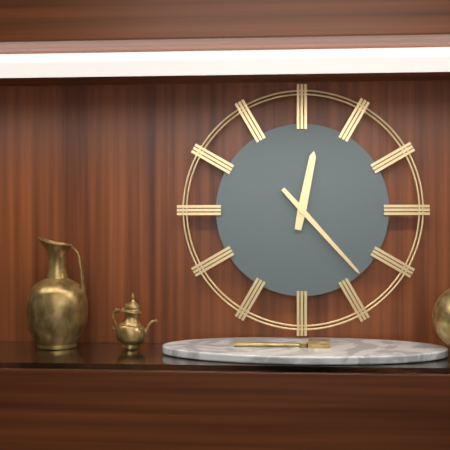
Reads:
12,23
